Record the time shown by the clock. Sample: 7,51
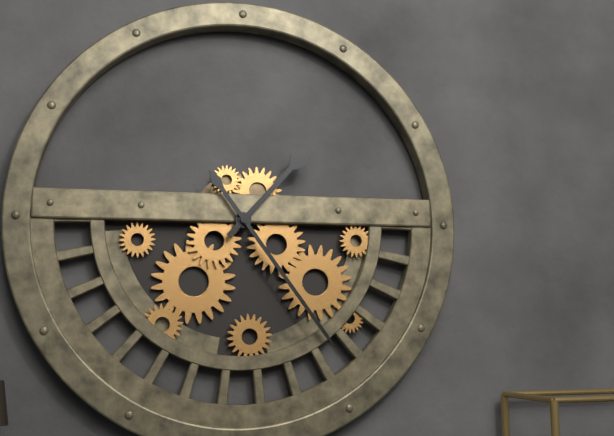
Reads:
1,24
